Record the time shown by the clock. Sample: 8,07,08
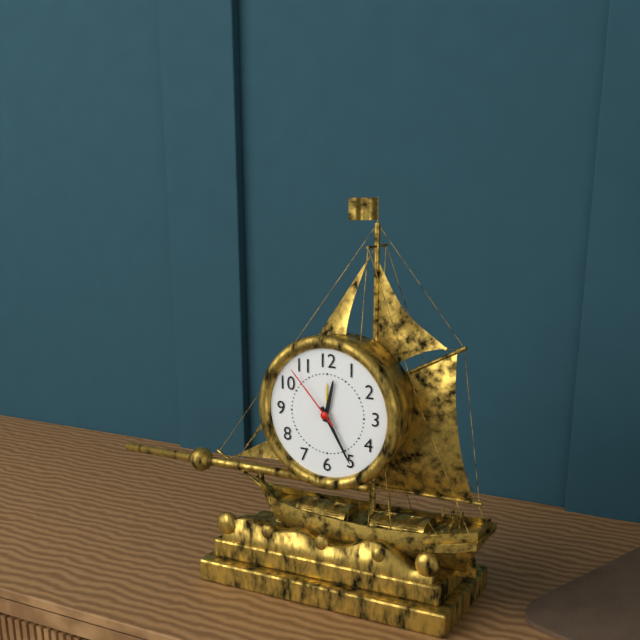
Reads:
12,25,53
